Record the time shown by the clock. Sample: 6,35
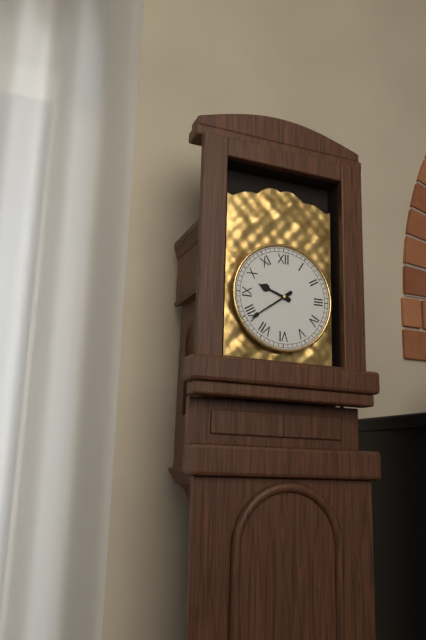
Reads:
9,39
